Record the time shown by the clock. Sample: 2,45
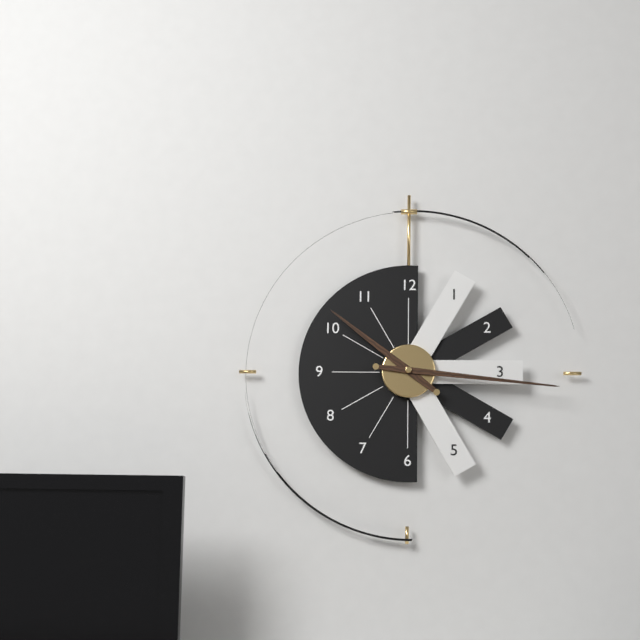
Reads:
10,16
